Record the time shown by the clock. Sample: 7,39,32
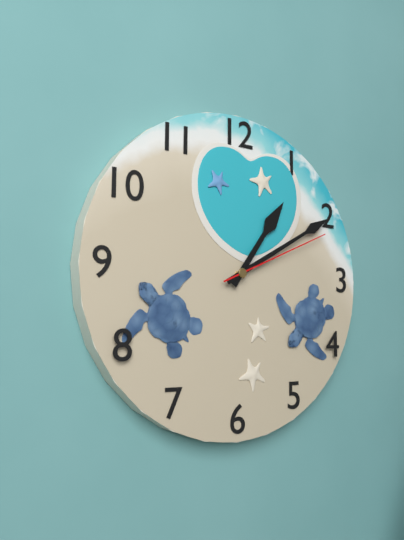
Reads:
1,10,11
